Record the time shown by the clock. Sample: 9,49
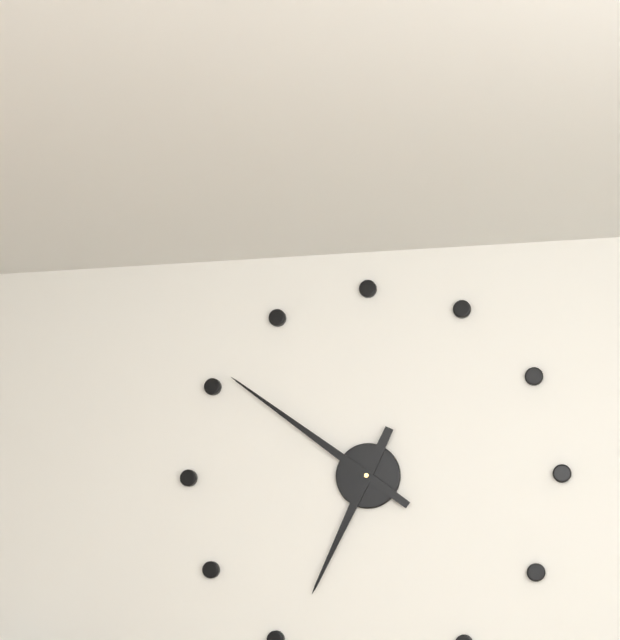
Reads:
6,51
